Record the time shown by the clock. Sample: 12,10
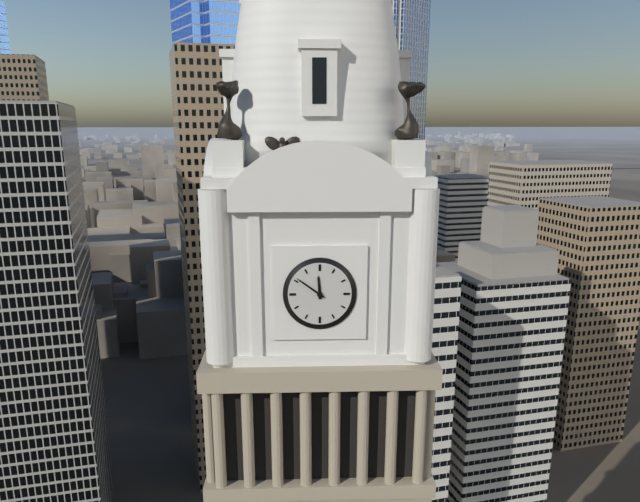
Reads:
11,51
